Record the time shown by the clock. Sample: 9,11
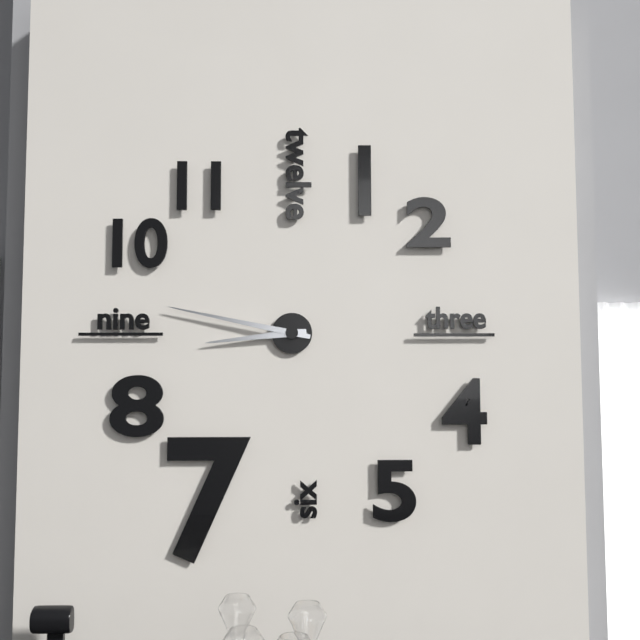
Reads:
8,47
